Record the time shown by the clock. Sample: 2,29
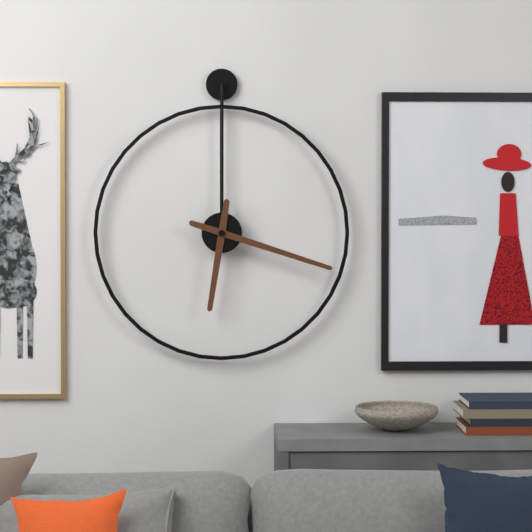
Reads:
6,18
